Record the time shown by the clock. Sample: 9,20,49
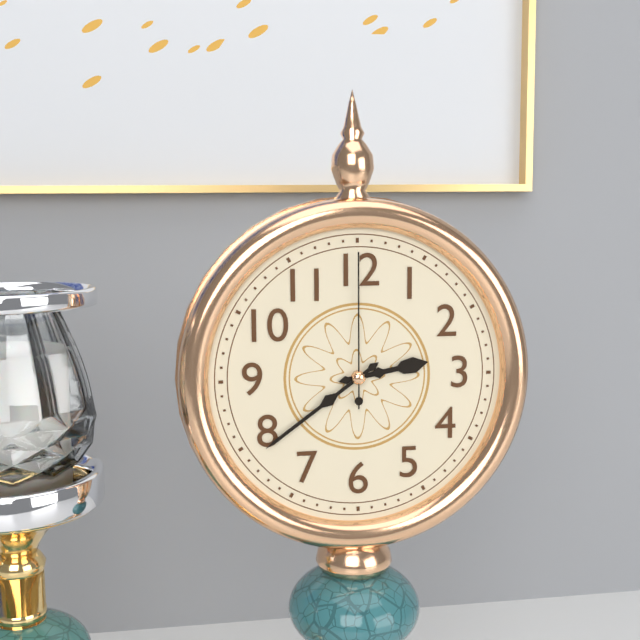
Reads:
2,39,00
